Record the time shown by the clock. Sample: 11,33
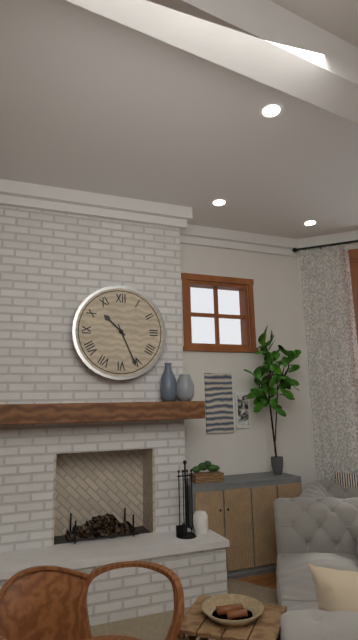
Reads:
10,26
